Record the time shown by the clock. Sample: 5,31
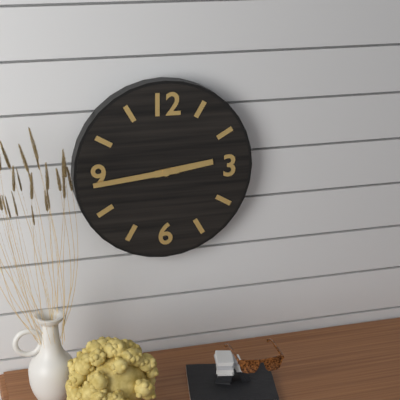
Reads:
2,44
